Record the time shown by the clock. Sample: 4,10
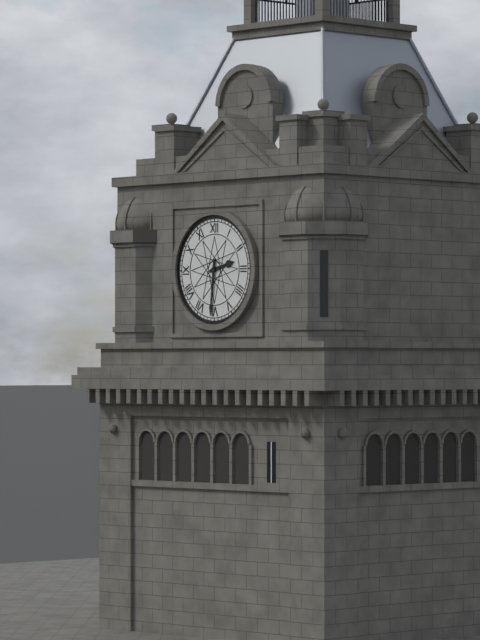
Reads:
2,31
